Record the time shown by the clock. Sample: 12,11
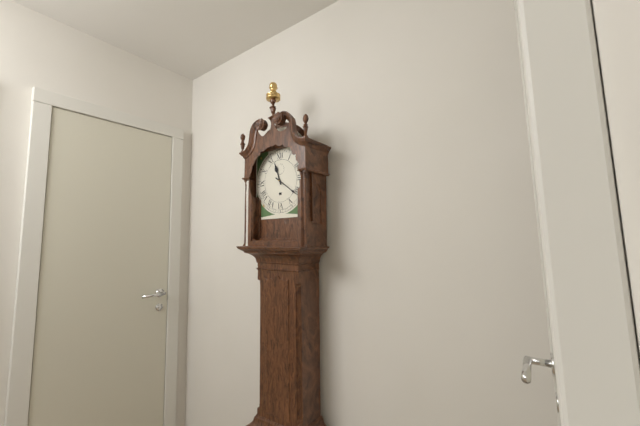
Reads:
11,21
